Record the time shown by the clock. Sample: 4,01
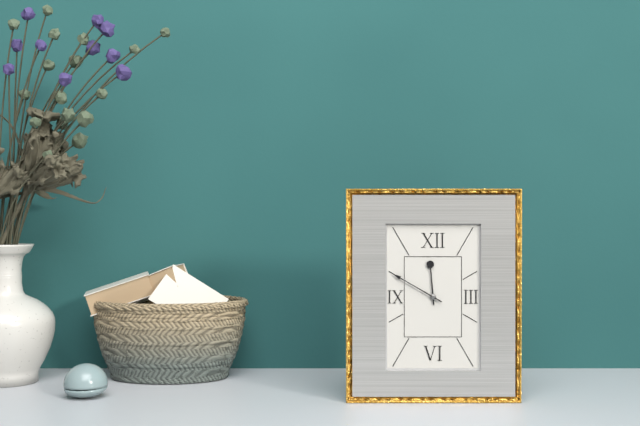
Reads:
11,50
